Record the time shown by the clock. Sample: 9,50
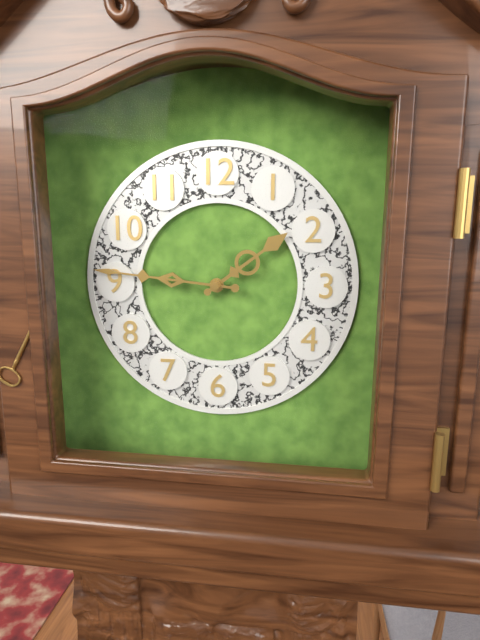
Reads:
1,46
